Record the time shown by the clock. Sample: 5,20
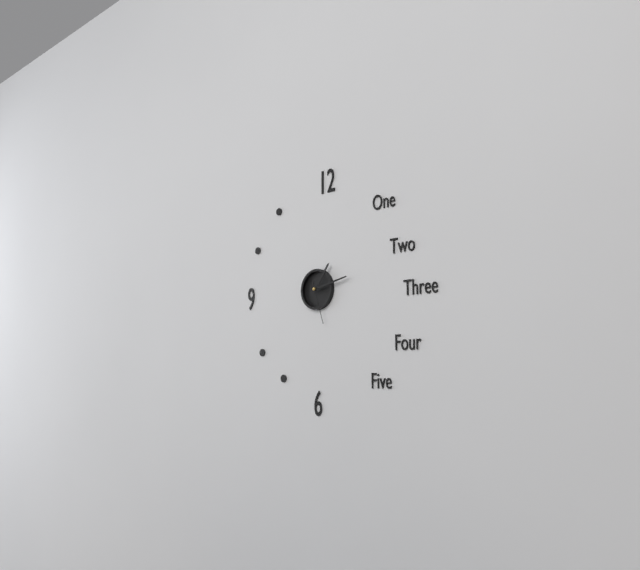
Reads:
1,13
